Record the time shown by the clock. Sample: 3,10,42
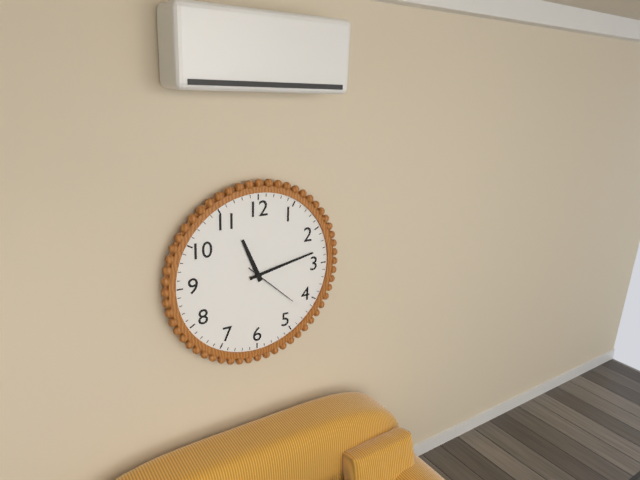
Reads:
11,13,22
